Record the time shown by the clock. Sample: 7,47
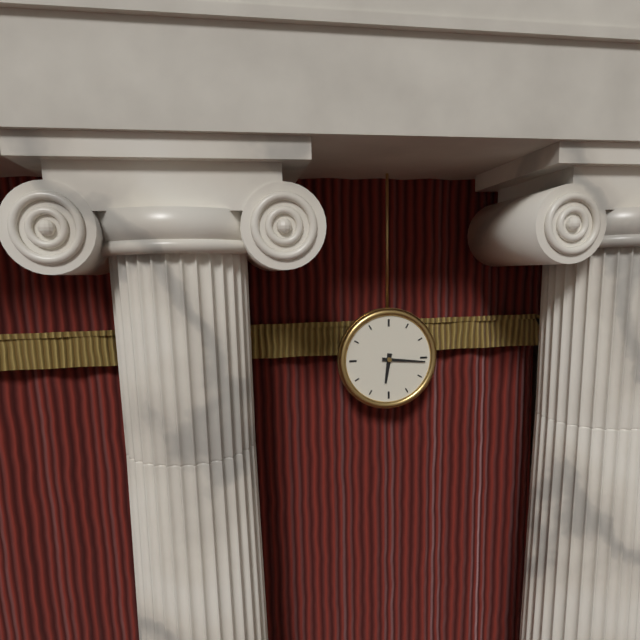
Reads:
6,16
